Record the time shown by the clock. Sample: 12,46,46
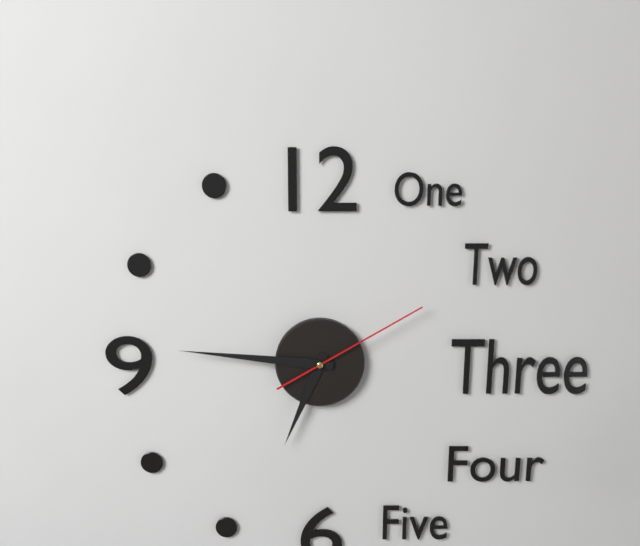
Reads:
6,46,10
